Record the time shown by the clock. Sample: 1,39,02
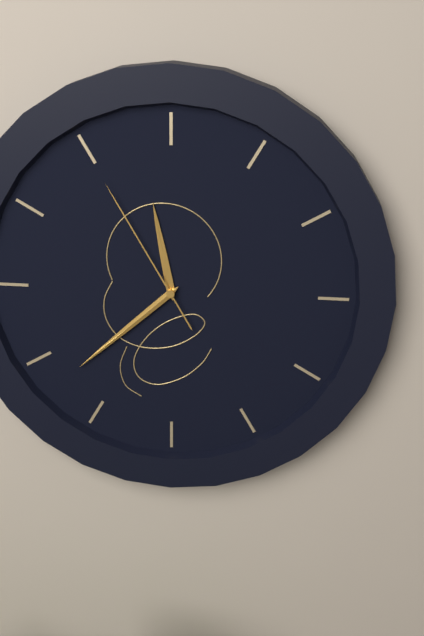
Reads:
11,38,55
